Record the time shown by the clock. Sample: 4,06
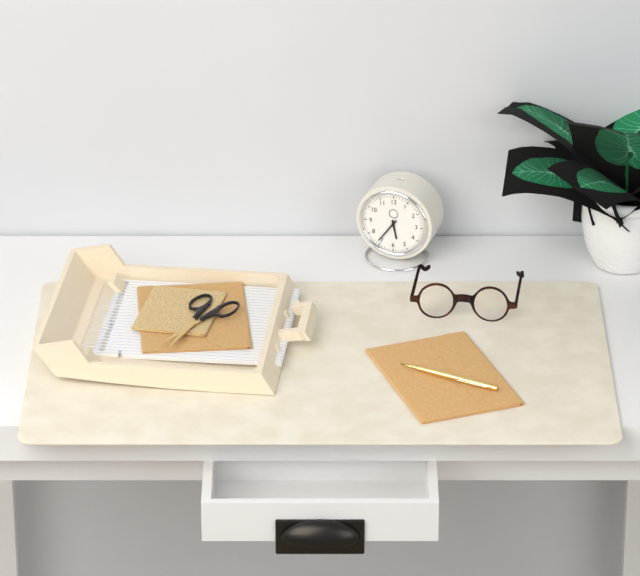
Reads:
5,36
